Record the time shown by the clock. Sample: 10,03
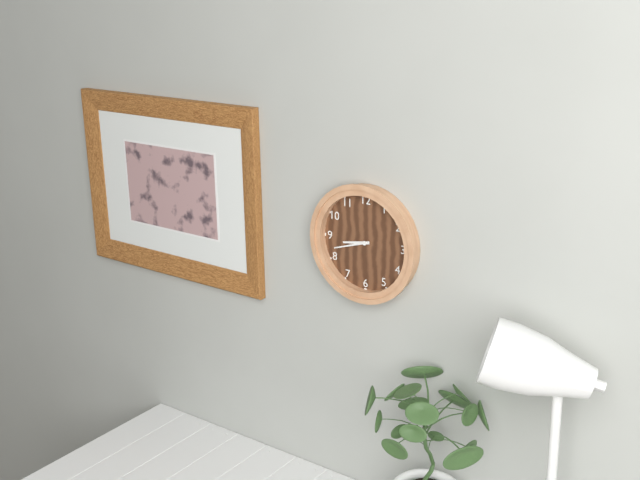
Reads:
8,42
